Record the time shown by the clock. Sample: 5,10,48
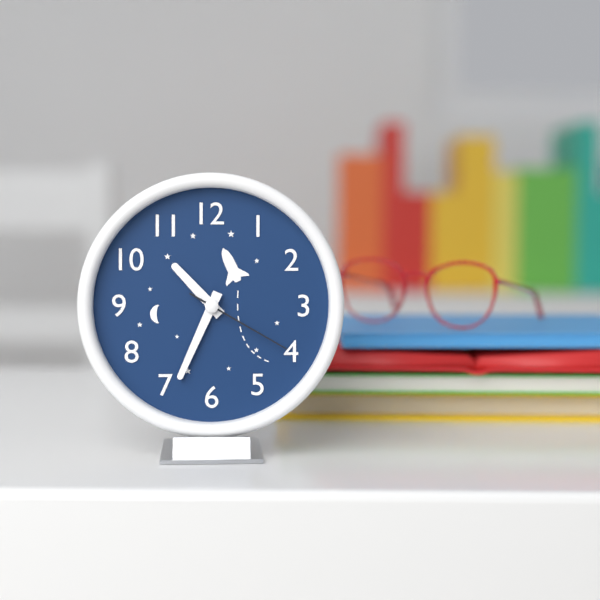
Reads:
10,34,20
